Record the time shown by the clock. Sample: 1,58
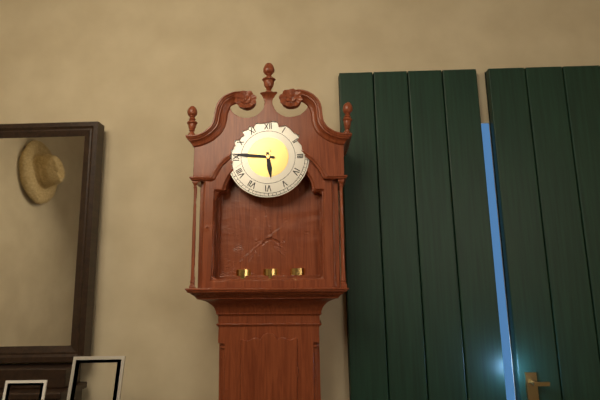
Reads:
5,46
